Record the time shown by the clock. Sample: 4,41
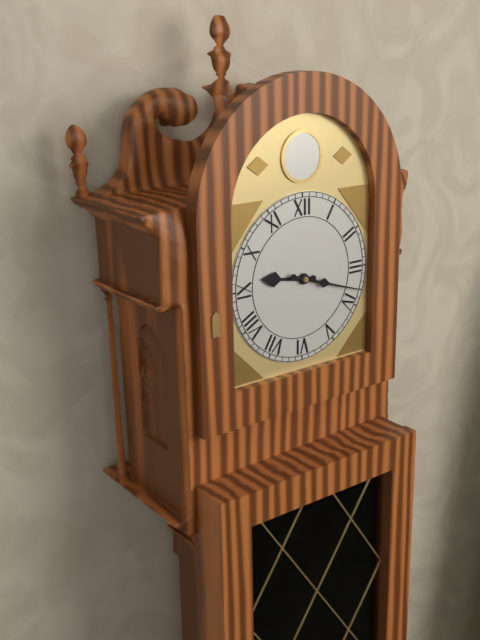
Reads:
9,18
